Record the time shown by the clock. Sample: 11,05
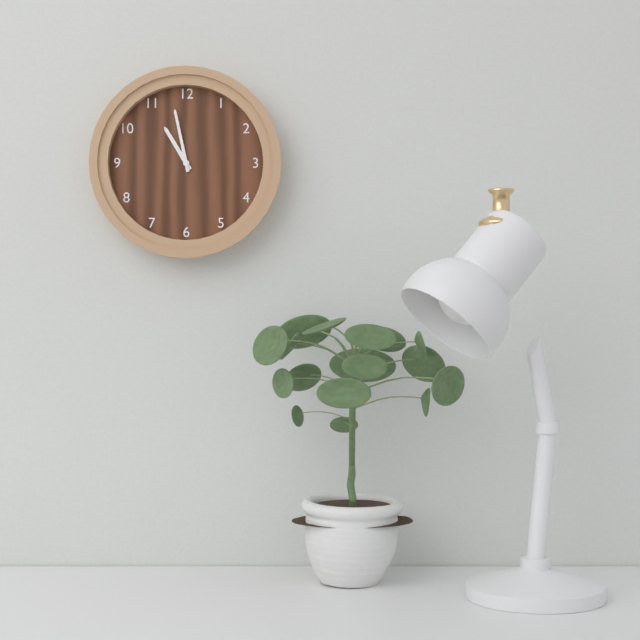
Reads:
10,58
